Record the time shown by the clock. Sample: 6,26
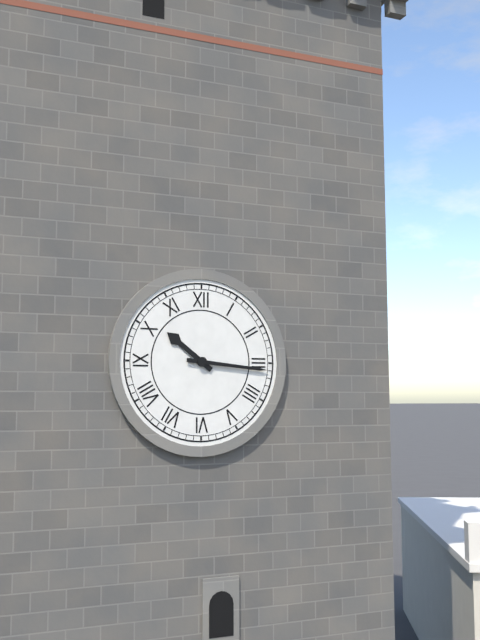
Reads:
10,16
